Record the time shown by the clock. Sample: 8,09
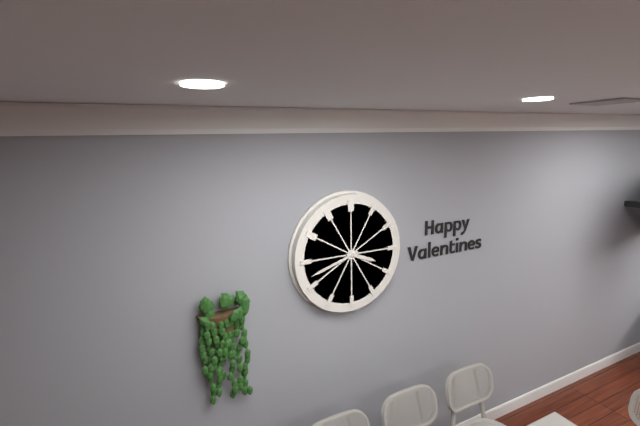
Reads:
3,42
